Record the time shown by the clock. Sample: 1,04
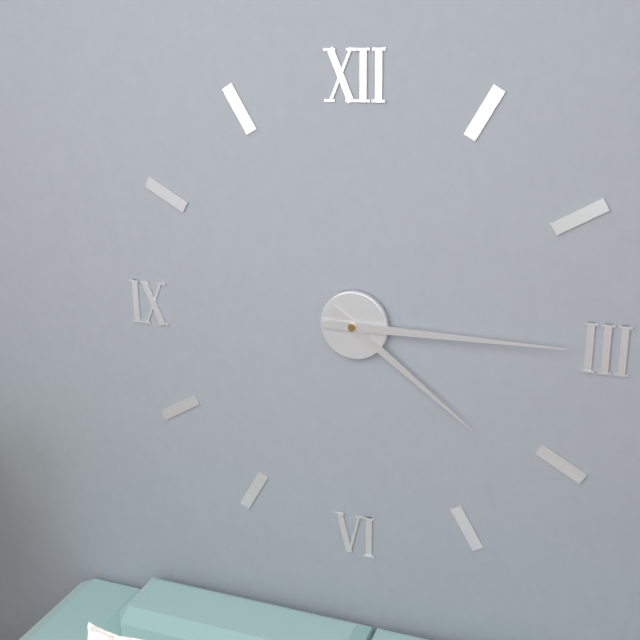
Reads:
4,15
